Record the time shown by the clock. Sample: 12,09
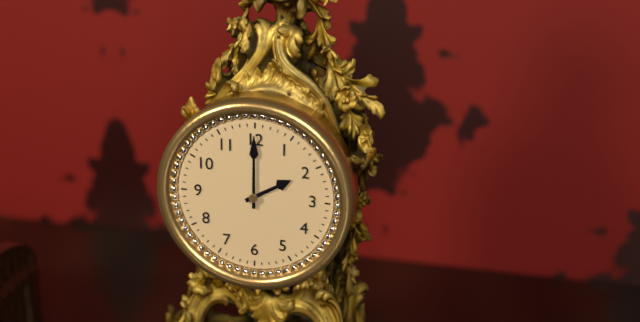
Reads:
2,00
